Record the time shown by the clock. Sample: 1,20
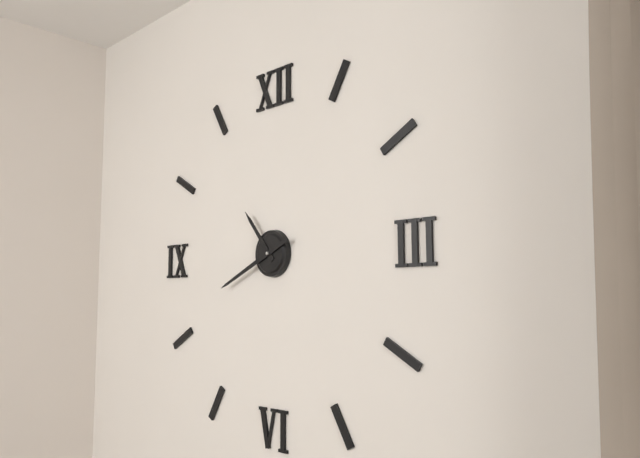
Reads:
10,41
